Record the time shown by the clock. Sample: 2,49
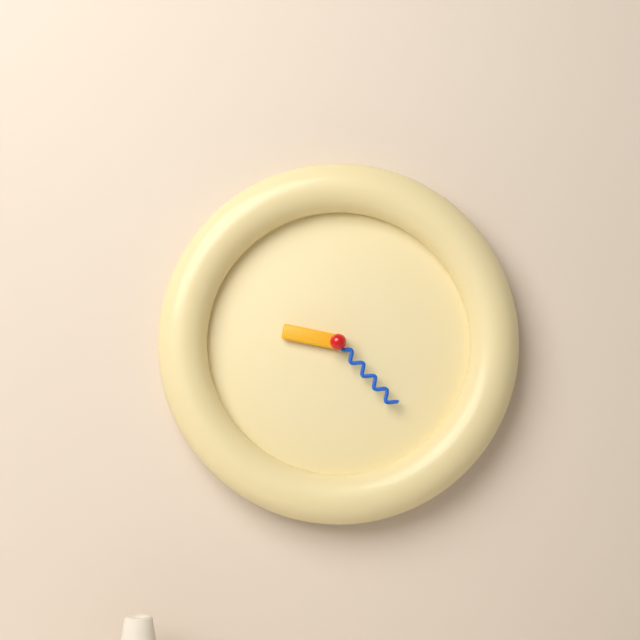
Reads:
9,23
